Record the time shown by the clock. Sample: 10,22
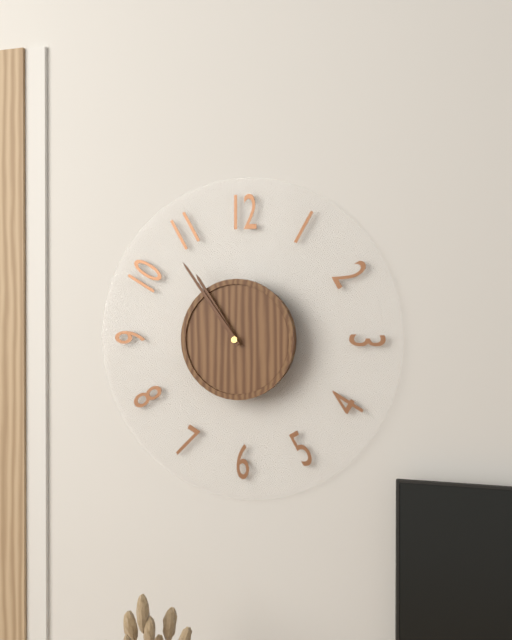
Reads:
10,54
